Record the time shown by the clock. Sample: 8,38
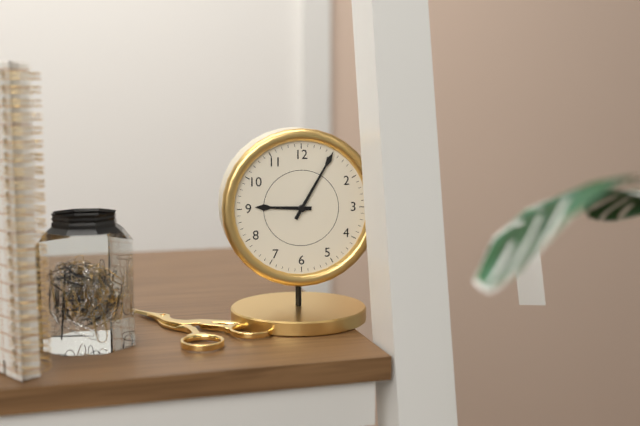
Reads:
9,05
